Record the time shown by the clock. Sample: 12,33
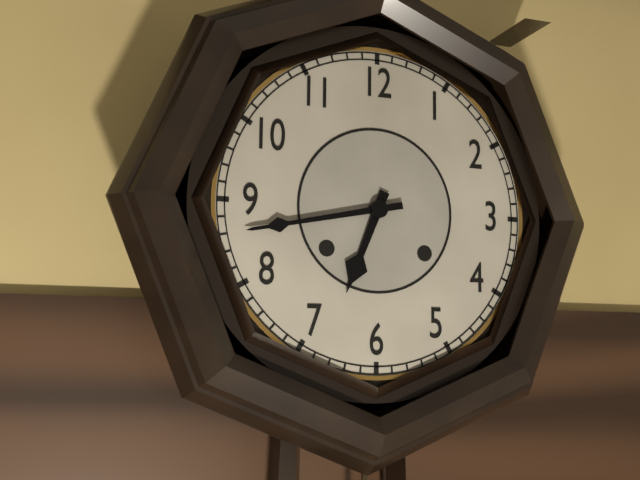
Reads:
6,43
